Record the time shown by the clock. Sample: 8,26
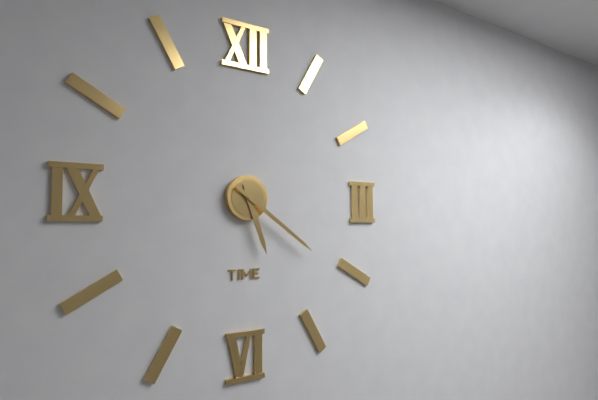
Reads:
5,21
